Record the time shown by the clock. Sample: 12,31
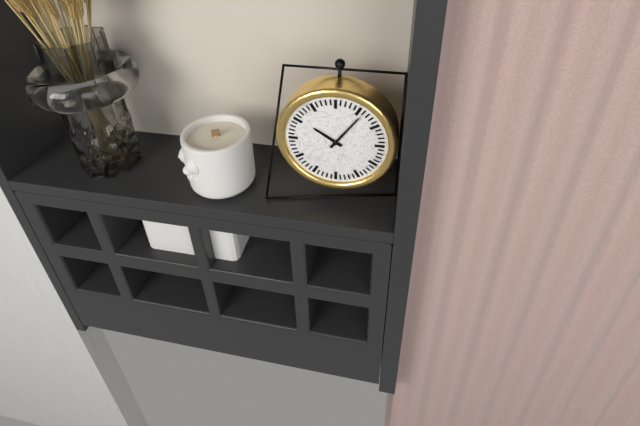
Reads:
10,06
